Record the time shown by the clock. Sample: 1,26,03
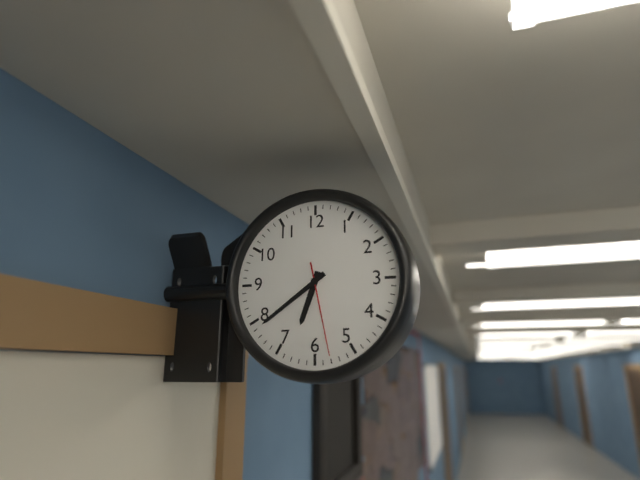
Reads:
6,39,28
